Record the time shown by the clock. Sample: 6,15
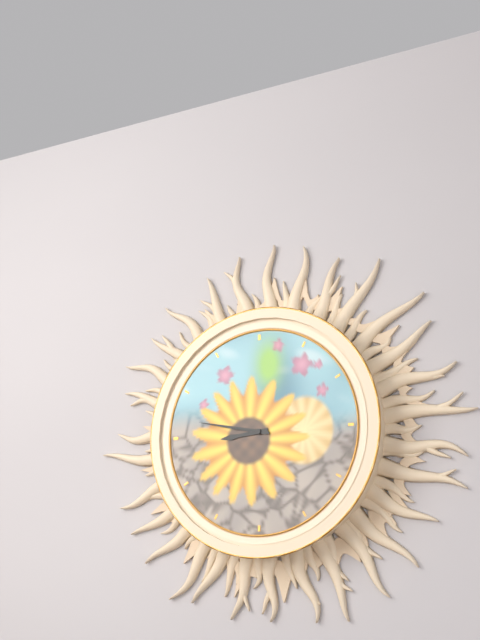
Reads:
8,47
